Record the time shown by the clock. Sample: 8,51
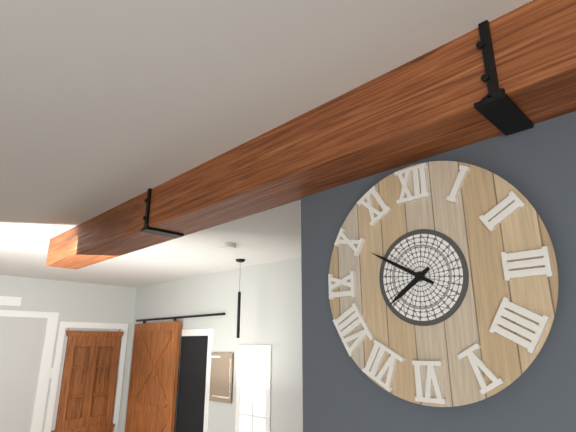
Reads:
7,50
